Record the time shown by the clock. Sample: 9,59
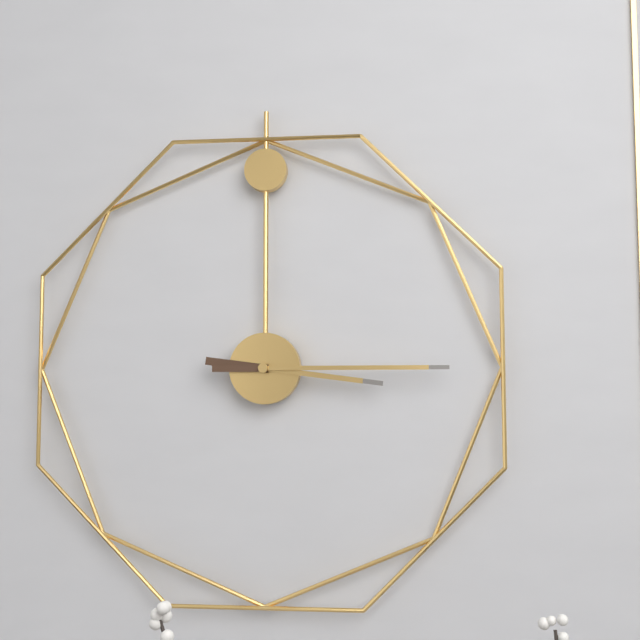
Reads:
3,15
